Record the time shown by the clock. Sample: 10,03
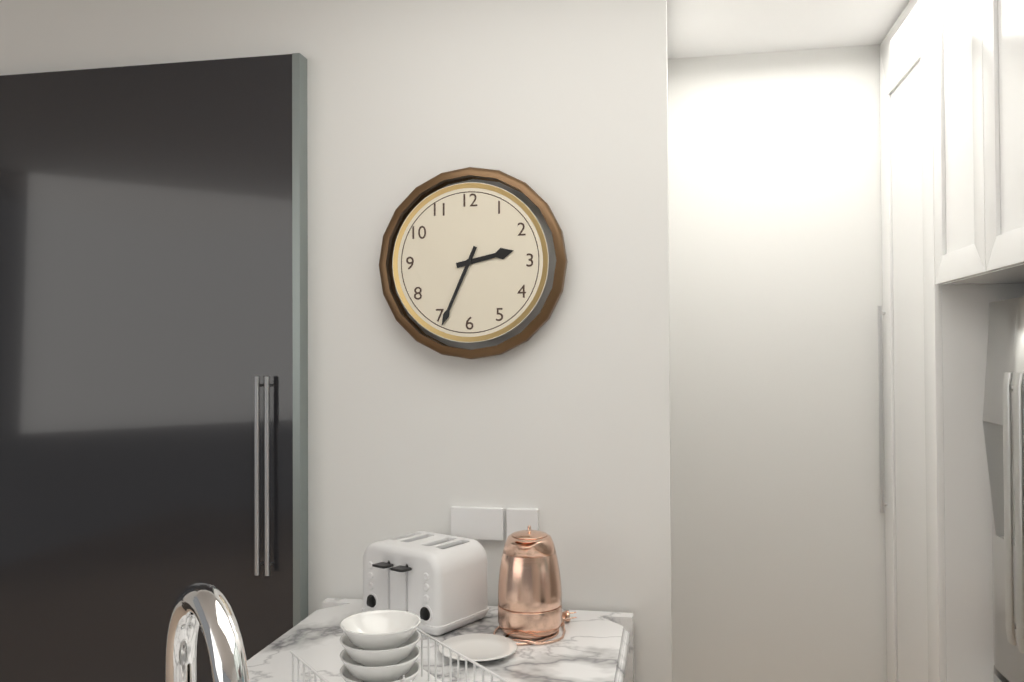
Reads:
2,34
